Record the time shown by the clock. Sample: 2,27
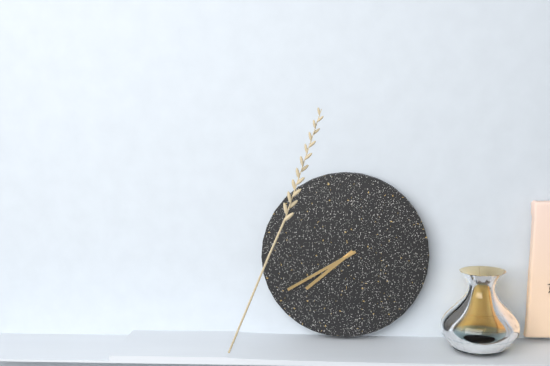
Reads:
7,40
